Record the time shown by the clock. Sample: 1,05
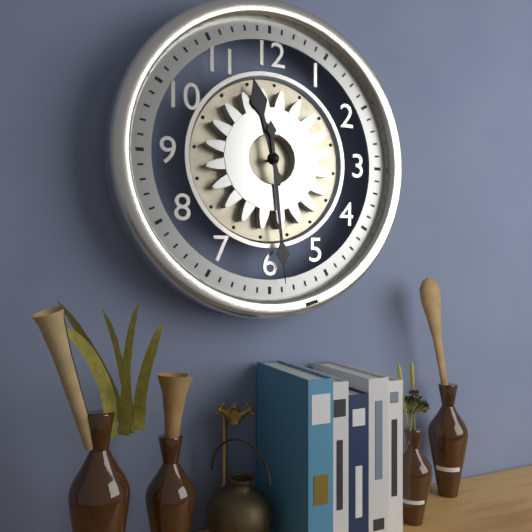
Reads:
11,29
